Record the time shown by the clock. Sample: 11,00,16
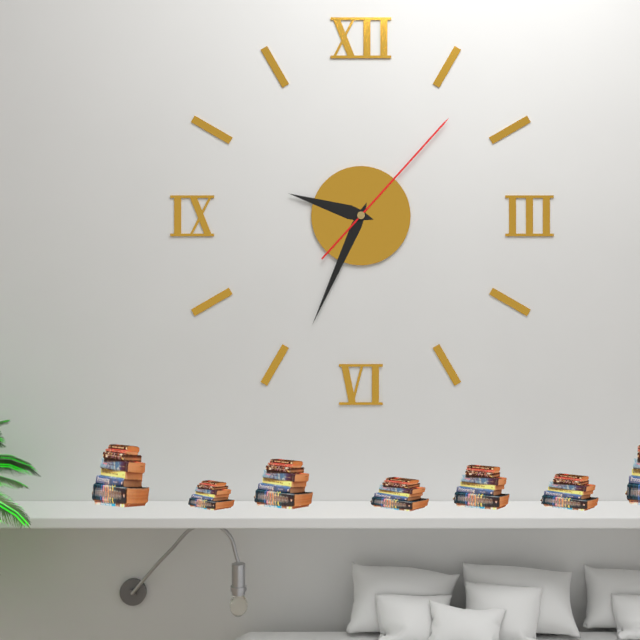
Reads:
9,34,07
